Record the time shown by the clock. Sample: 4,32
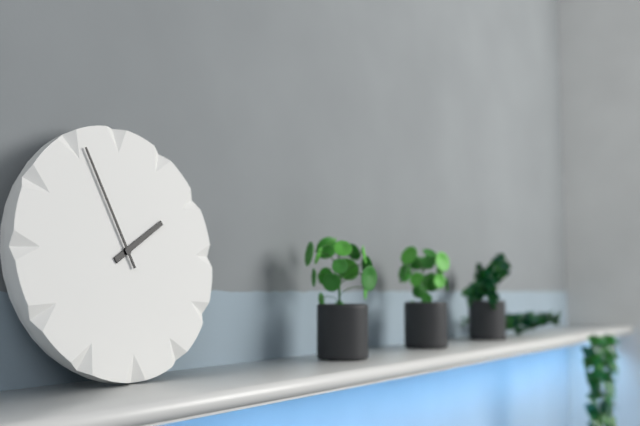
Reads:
1,56
